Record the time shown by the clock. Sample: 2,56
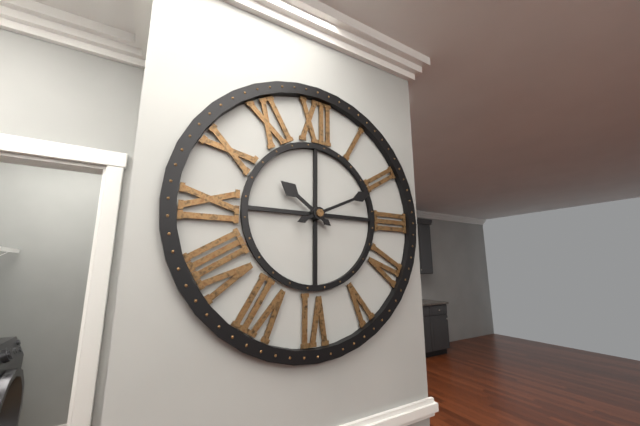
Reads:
10,11
